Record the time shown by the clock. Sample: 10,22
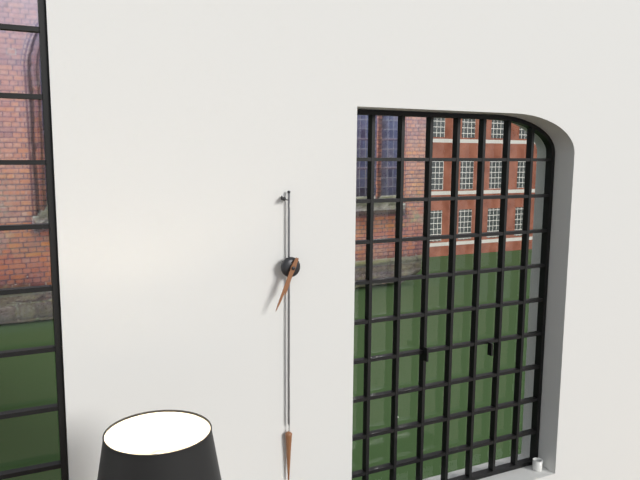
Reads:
6,34
